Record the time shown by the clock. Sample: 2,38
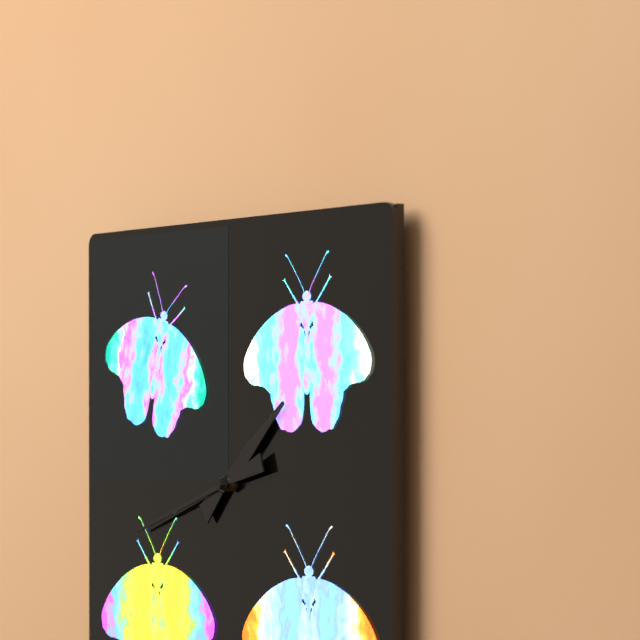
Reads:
1,42
